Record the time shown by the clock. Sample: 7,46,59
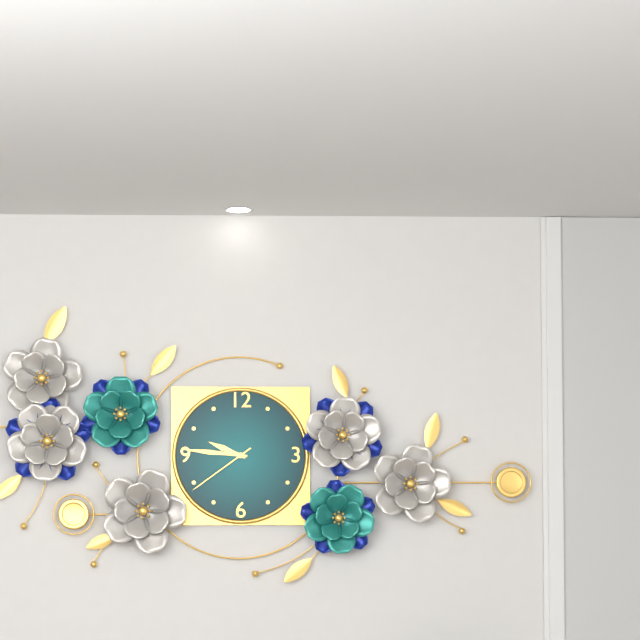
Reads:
9,46,39
